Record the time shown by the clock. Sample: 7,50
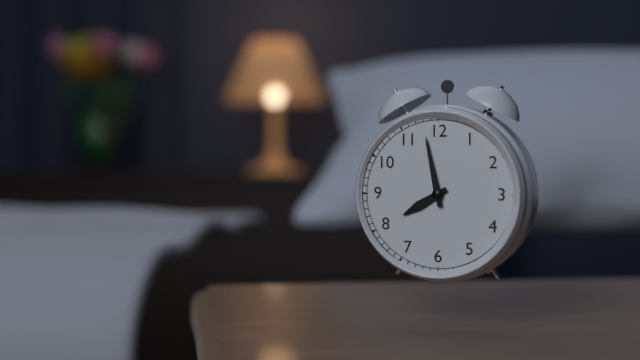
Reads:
7,58
